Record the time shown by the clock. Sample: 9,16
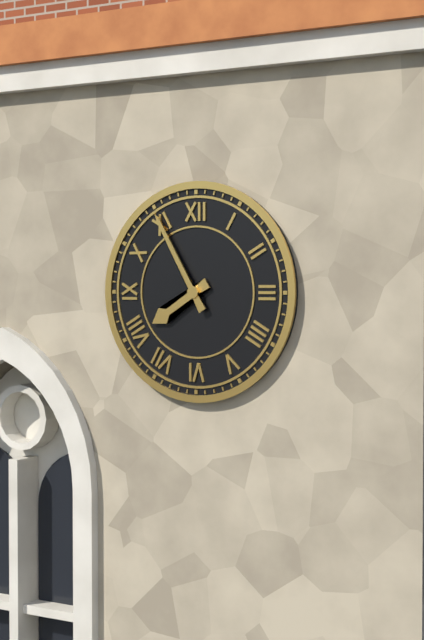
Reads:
7,55
